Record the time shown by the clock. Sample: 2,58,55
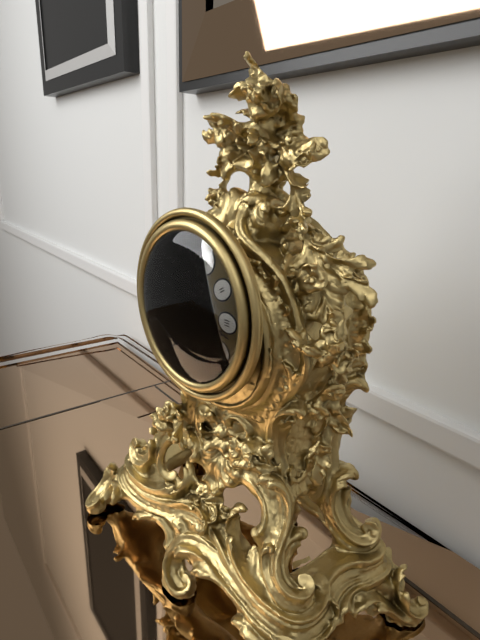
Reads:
6,17,00
